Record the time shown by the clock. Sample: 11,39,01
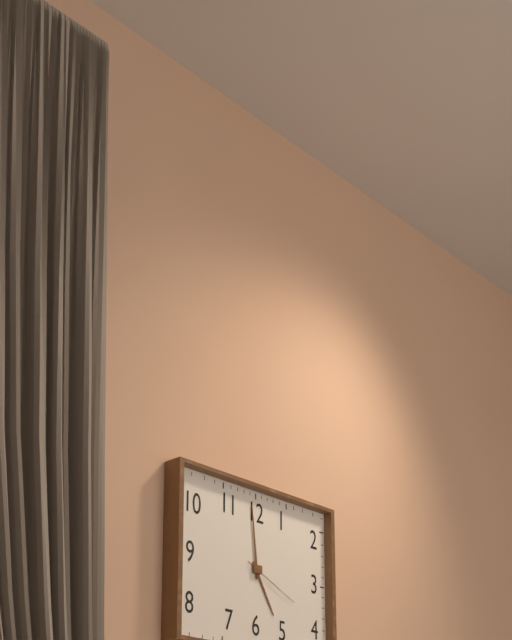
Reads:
4,59,19
